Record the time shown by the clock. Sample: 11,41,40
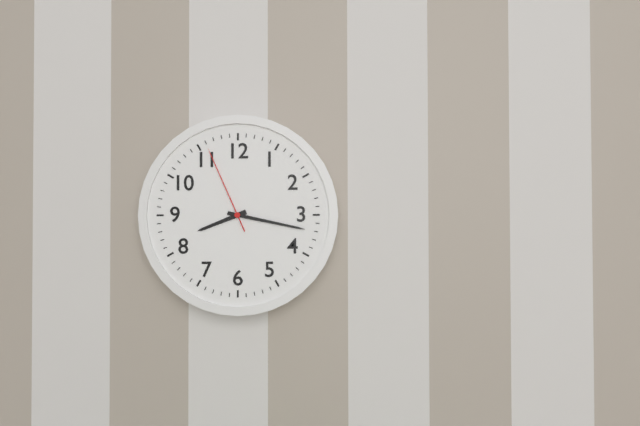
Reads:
8,17,56
